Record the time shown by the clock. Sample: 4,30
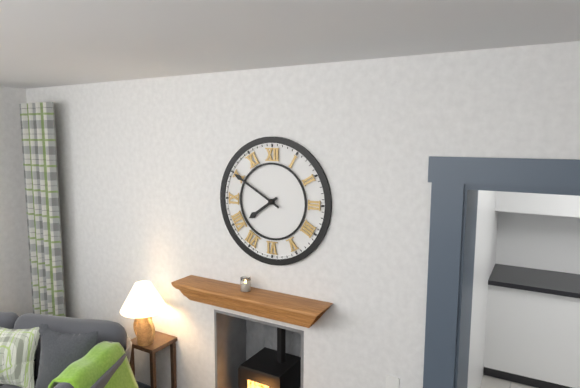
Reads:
7,50
